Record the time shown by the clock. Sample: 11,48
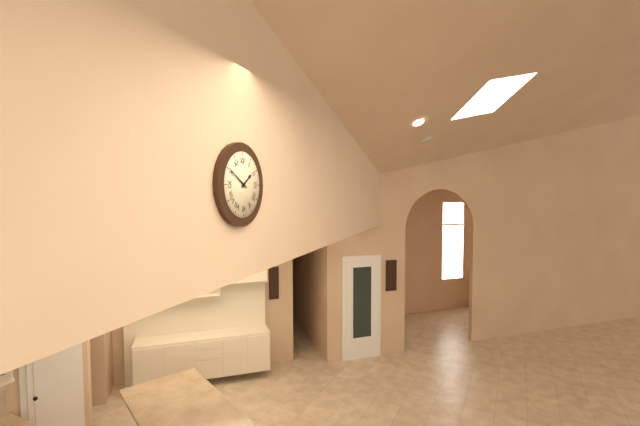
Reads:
1,50
